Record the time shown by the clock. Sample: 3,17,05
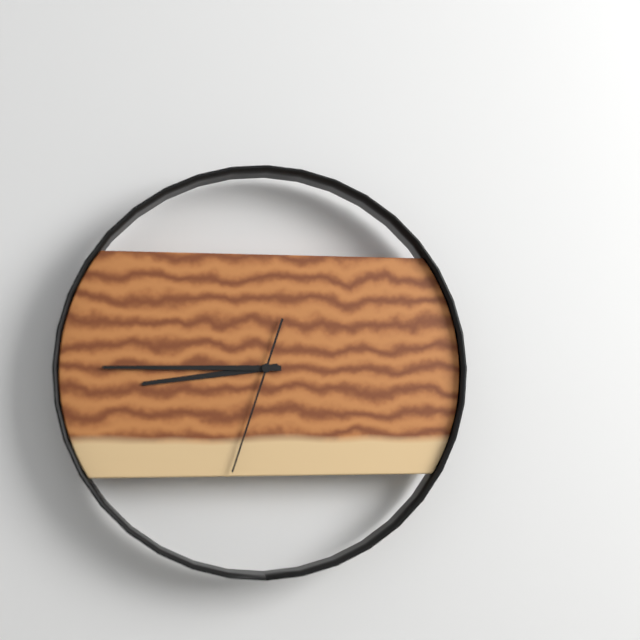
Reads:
8,45,33
